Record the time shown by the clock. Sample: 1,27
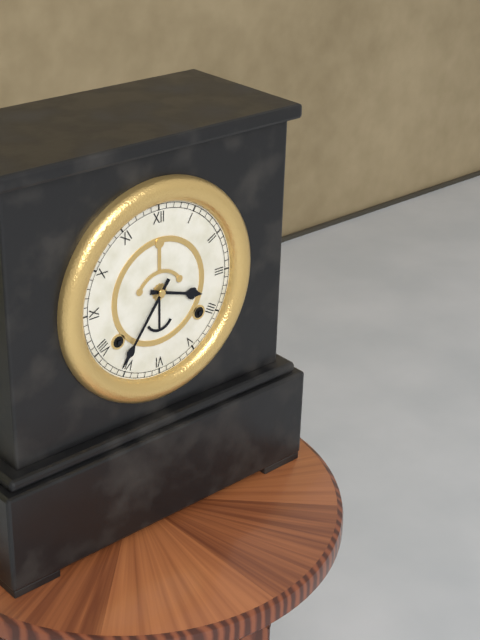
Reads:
3,36
